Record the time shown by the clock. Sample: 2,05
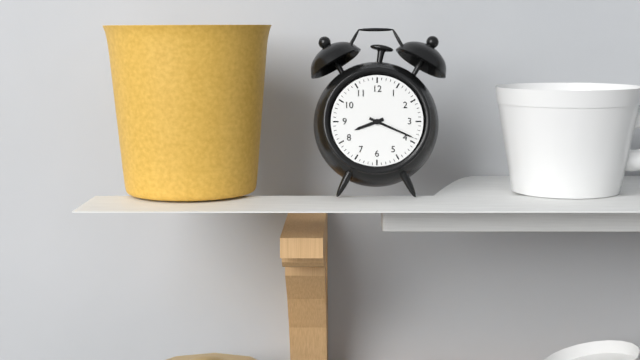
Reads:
8,19
